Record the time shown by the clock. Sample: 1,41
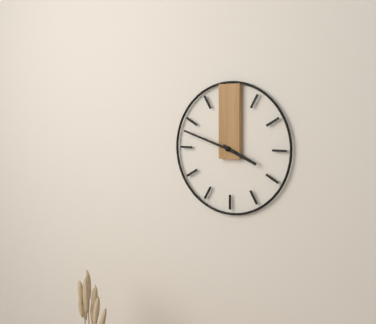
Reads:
3,48
